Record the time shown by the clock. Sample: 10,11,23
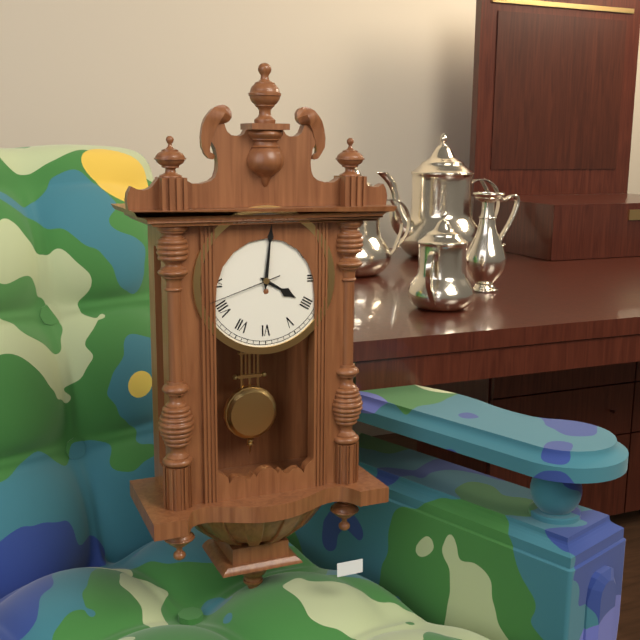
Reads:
4,01,42
